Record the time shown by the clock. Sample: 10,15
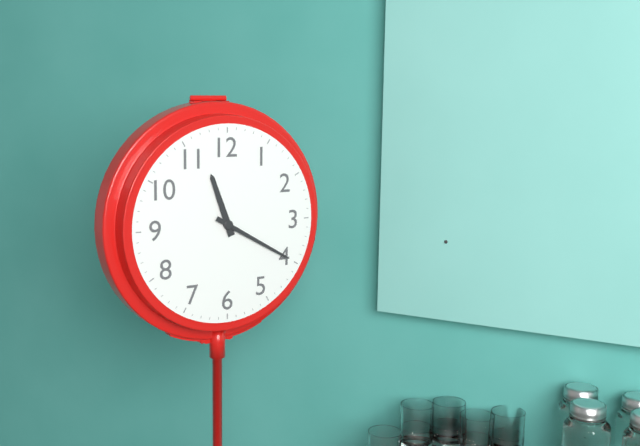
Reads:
11,20
